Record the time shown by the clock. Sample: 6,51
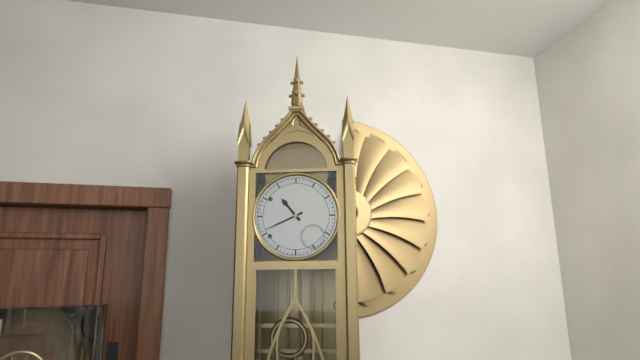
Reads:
10,41
